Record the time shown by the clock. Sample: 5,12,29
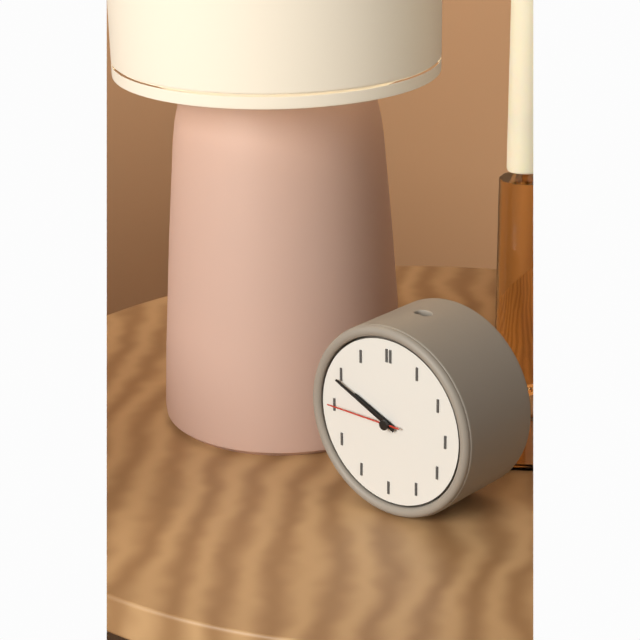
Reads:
9,49,45
